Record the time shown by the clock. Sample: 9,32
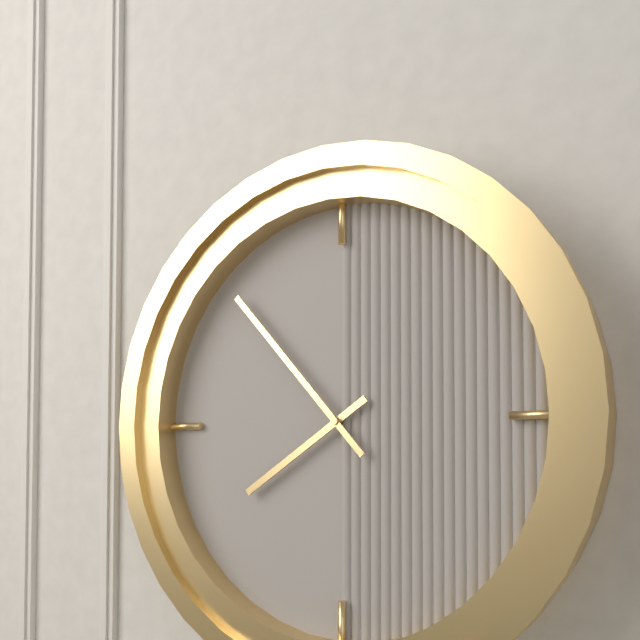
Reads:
7,53
